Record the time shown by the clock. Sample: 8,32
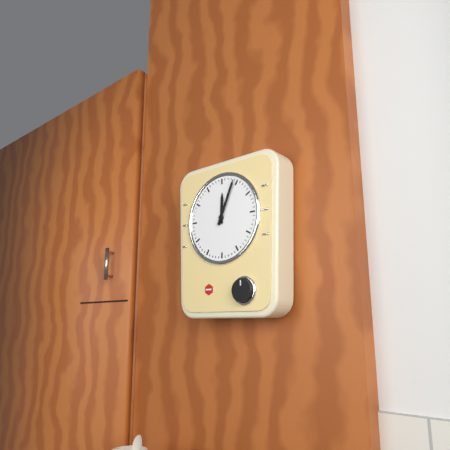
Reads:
12,04
